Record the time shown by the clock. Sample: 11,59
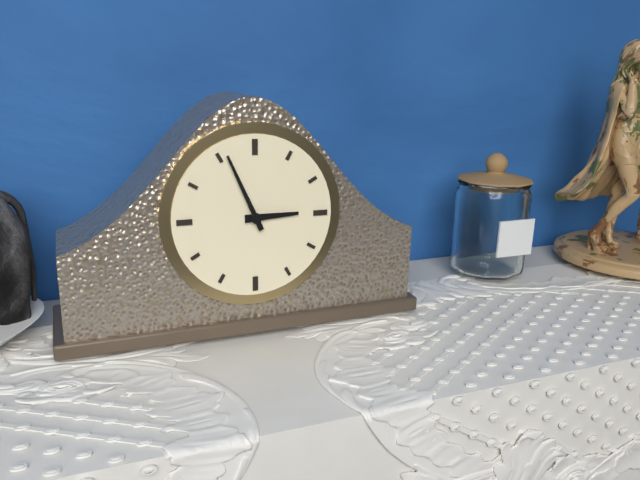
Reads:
2,56
